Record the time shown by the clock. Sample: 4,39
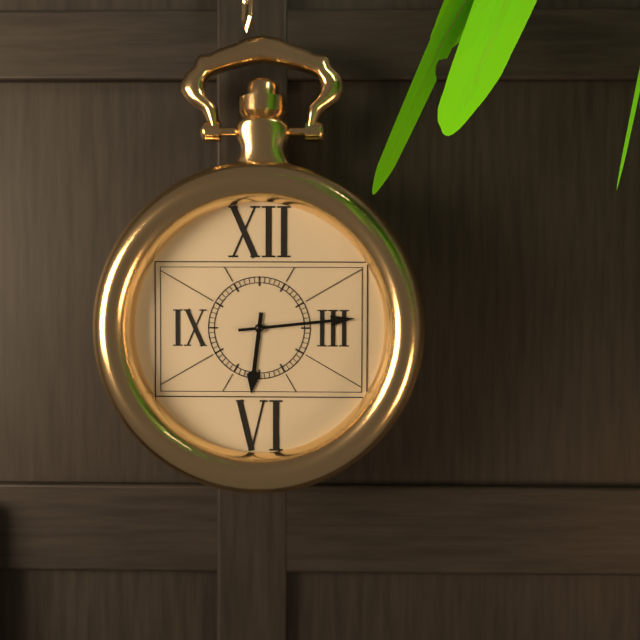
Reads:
6,14
